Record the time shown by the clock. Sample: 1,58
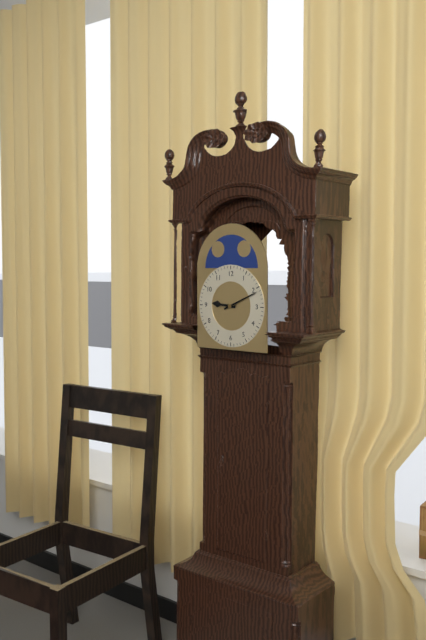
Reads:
9,11
